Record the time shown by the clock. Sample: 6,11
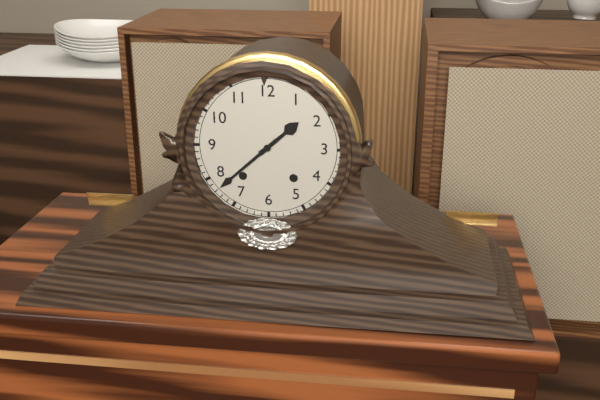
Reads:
1,38
